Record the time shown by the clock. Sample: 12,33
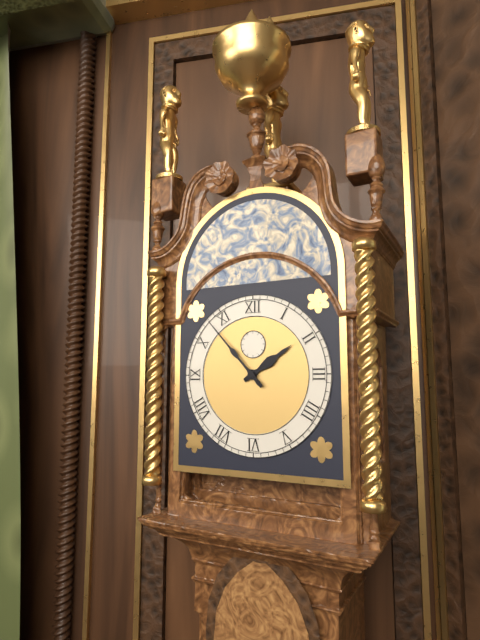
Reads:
1,53
